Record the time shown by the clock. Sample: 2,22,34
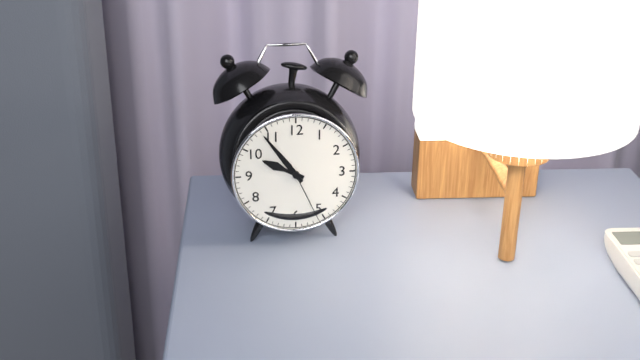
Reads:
9,54,26
